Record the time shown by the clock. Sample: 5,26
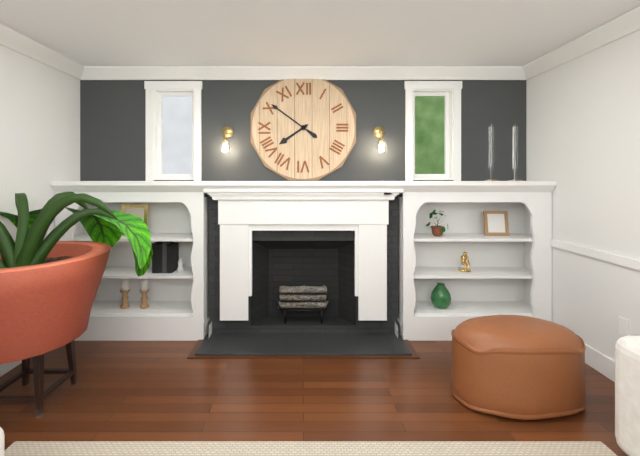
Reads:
7,51
